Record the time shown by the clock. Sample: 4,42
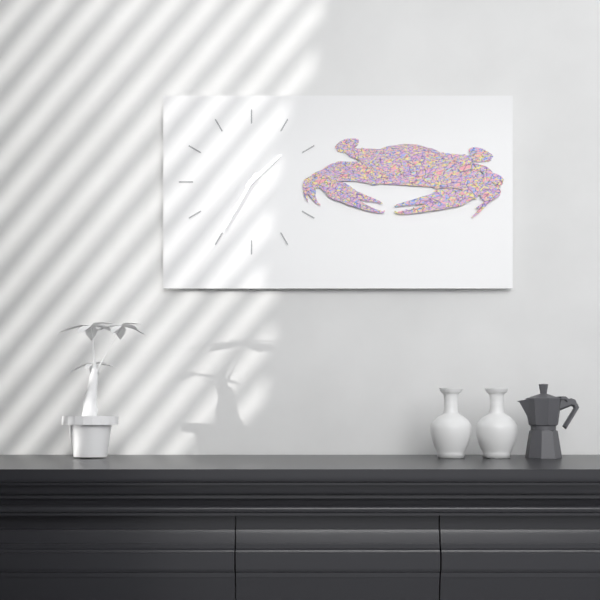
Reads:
1,35
